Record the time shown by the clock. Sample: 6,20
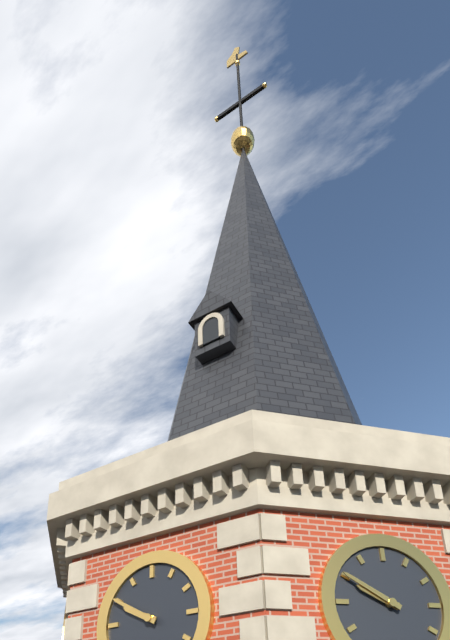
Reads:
9,50
